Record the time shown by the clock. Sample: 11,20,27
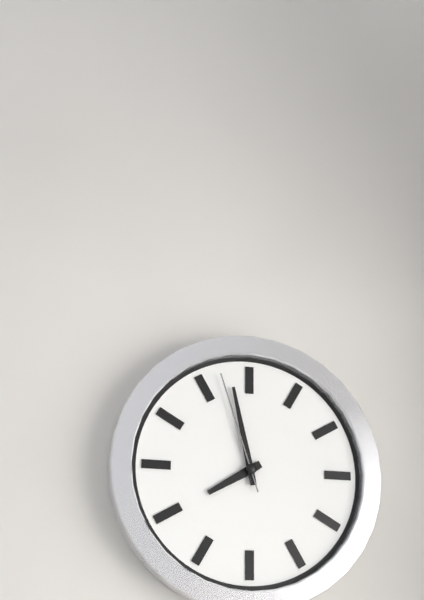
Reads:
7,58,57
